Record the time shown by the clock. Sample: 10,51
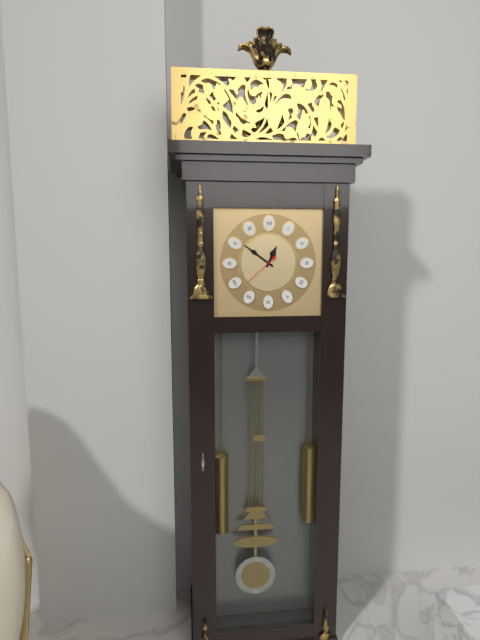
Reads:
12,51
